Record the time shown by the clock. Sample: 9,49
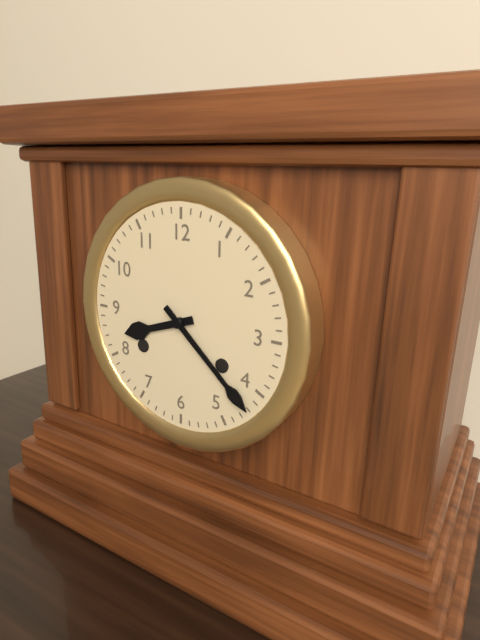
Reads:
8,22
